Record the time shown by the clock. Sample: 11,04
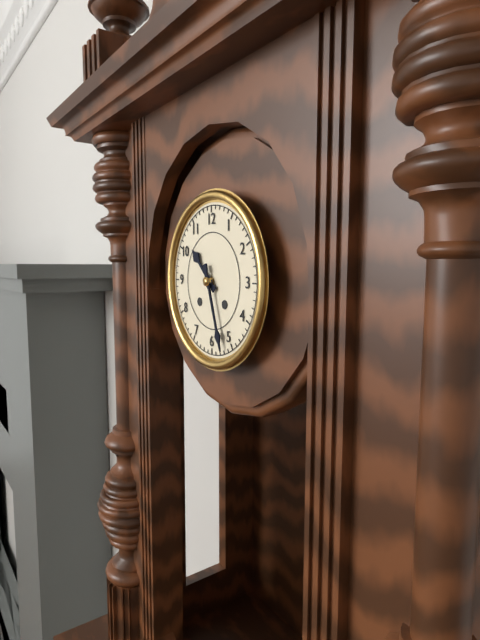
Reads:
10,27
